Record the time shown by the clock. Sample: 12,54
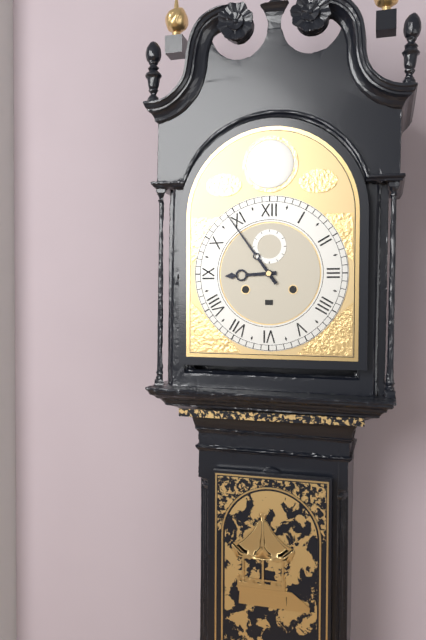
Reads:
8,54
